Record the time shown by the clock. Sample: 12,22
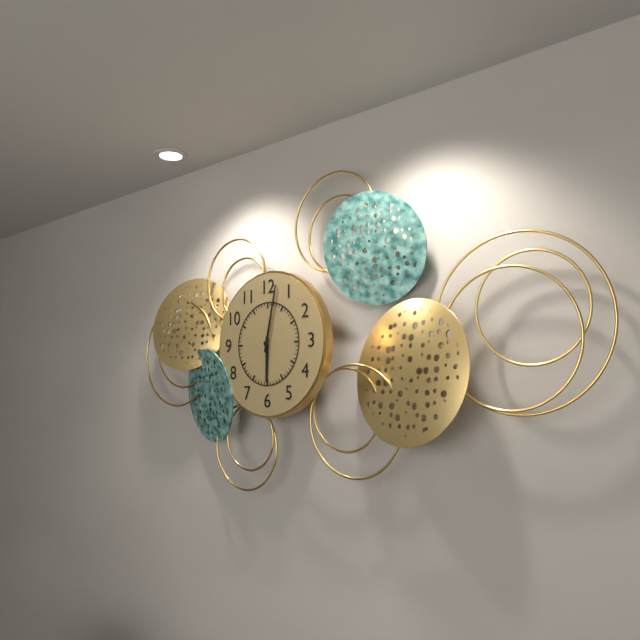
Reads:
6,02
